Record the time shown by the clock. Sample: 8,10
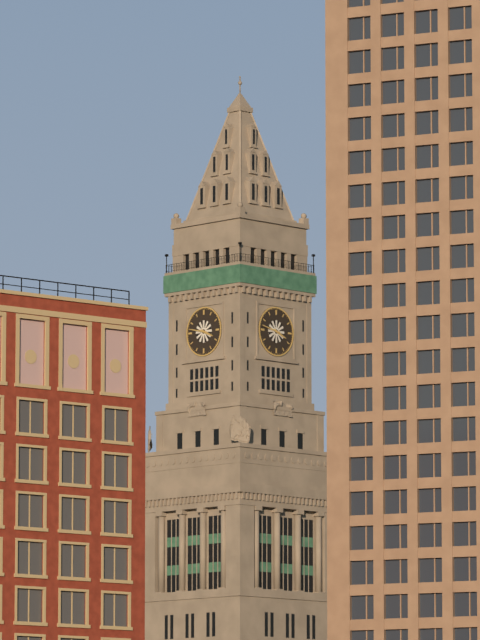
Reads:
3,47
